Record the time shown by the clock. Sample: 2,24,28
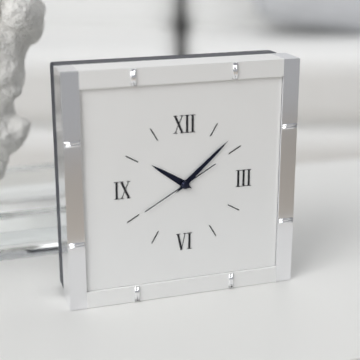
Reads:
10,08,40
